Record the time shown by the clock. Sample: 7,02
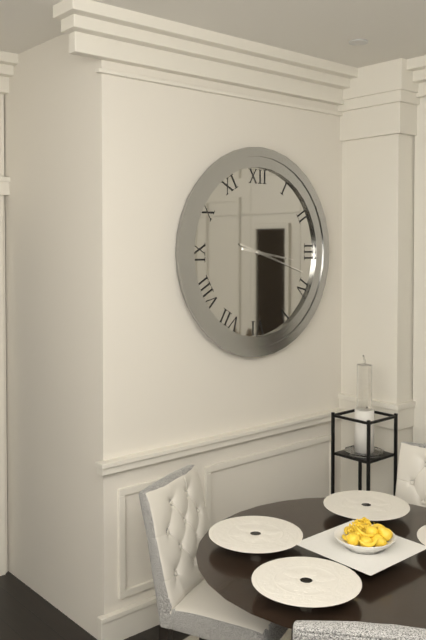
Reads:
3,18
